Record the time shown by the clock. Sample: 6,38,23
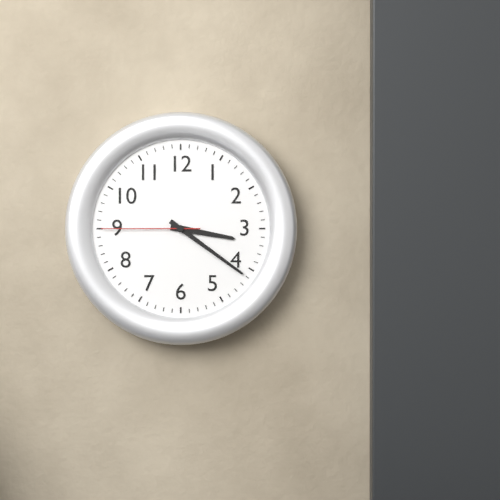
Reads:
3,21,45
